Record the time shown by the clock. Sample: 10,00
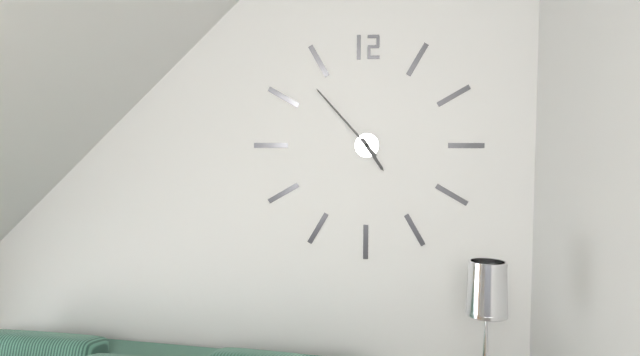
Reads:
4,53
